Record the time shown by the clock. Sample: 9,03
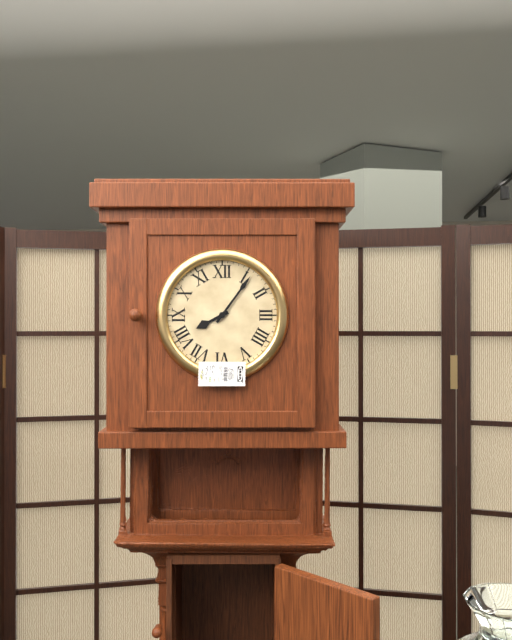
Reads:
8,06
